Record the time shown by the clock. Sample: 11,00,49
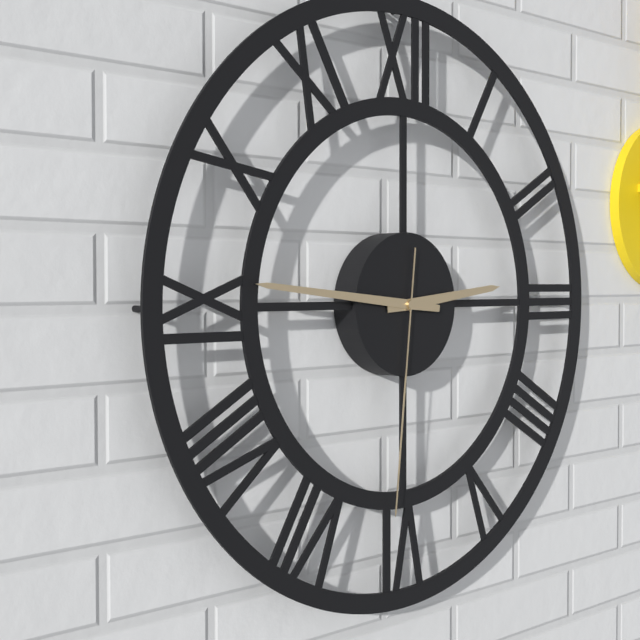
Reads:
2,46,31
